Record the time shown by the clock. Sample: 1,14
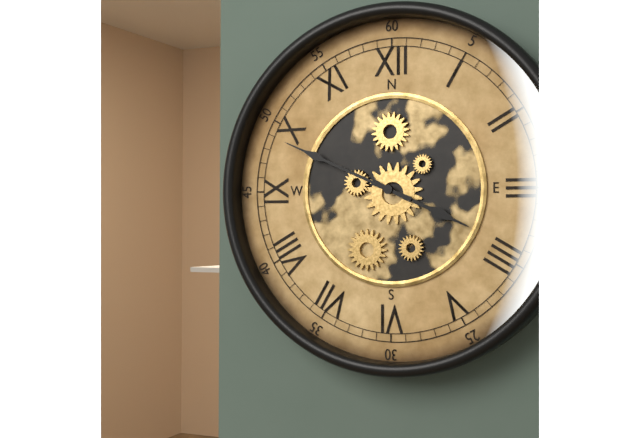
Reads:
3,49
